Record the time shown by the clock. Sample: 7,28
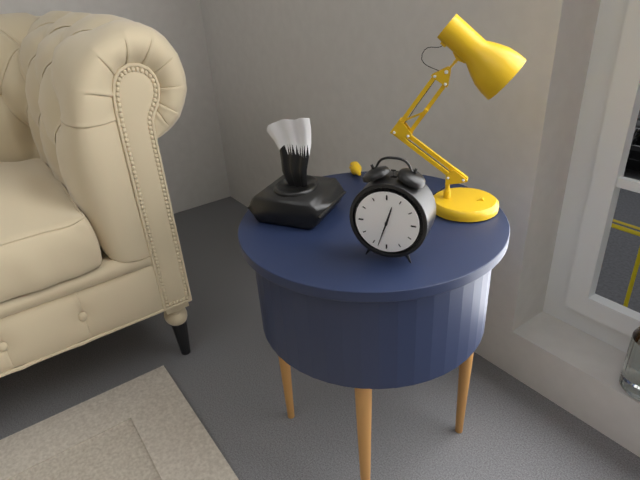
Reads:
12,33
